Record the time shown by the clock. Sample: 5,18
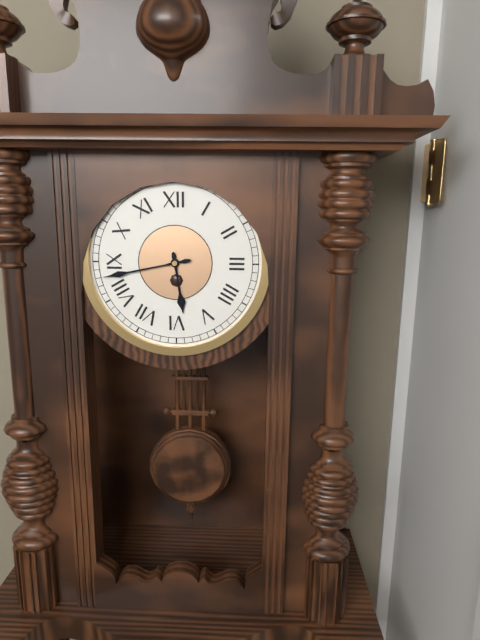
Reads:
5,43
